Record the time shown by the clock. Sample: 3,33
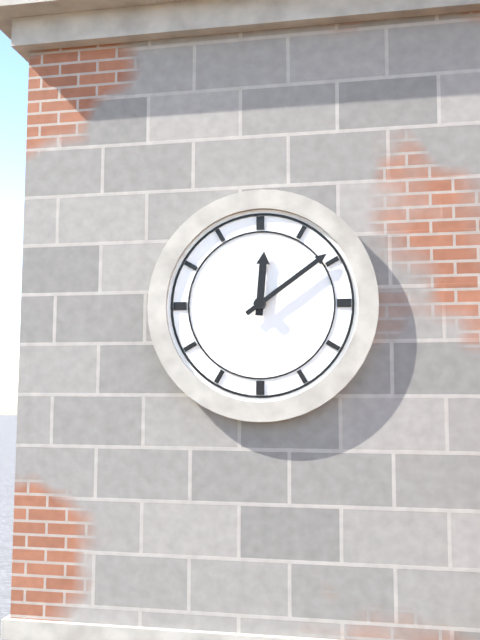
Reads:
12,09
